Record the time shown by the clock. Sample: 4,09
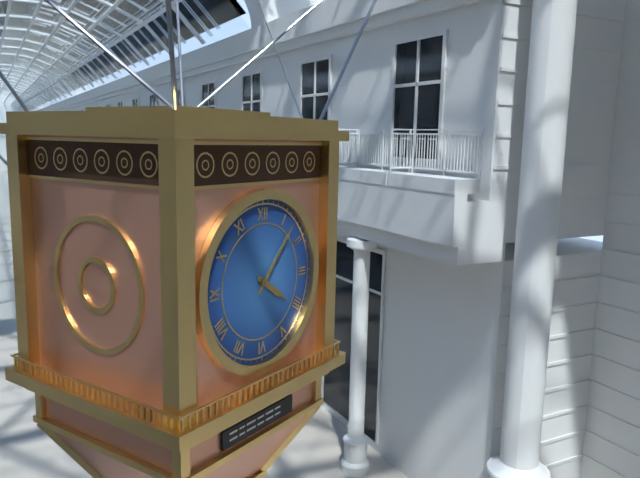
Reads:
4,07
